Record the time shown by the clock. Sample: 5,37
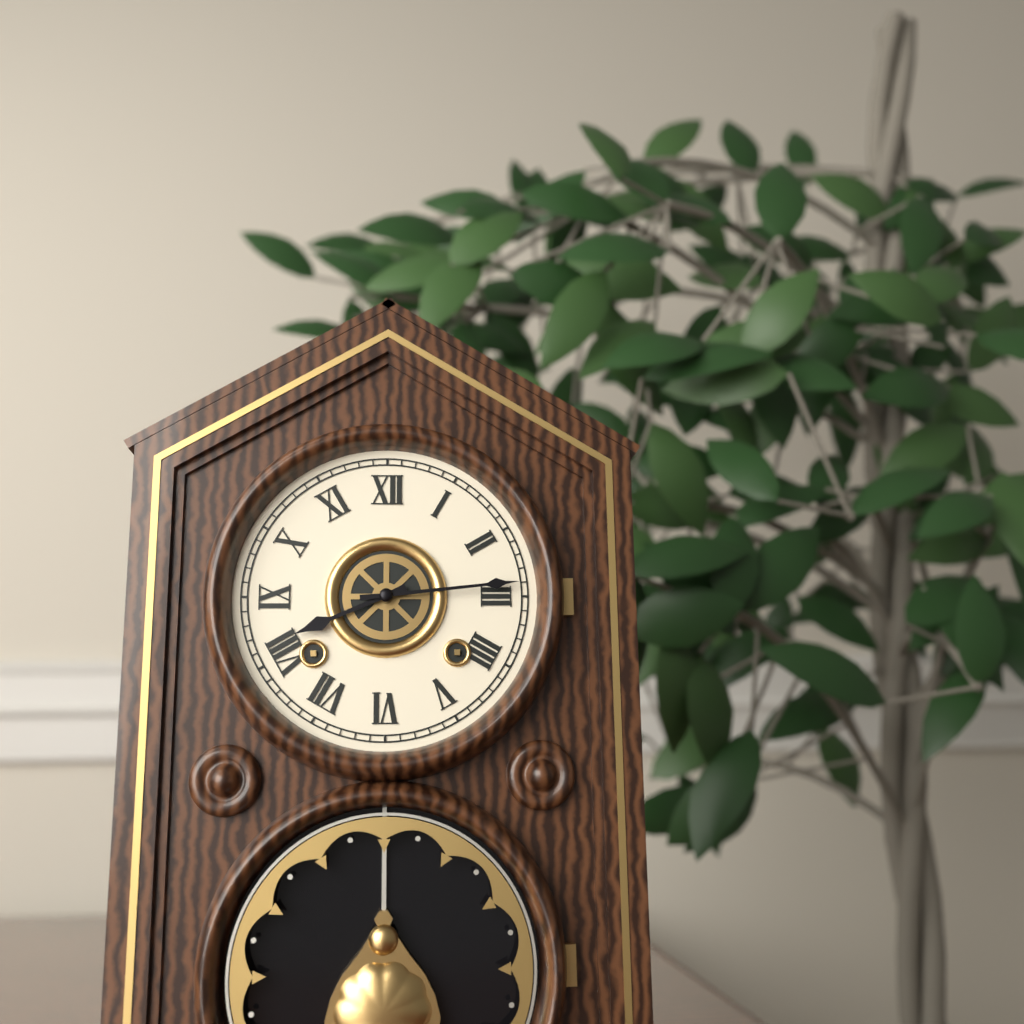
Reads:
8,14
